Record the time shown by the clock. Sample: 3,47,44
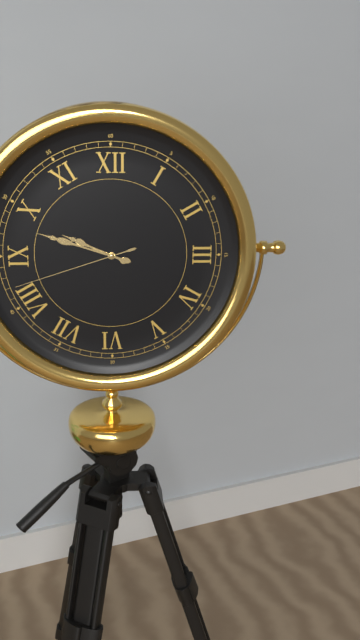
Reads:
9,48,42
